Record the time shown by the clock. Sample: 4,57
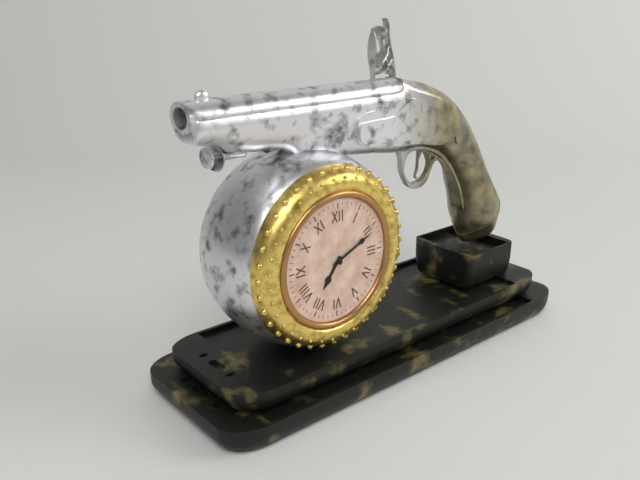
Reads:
7,11
